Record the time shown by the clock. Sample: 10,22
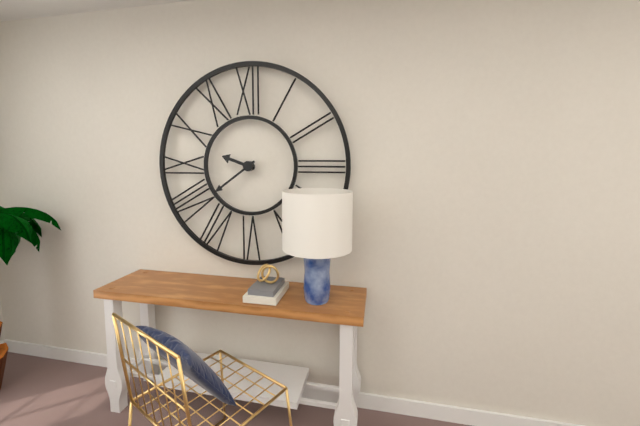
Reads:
9,39
